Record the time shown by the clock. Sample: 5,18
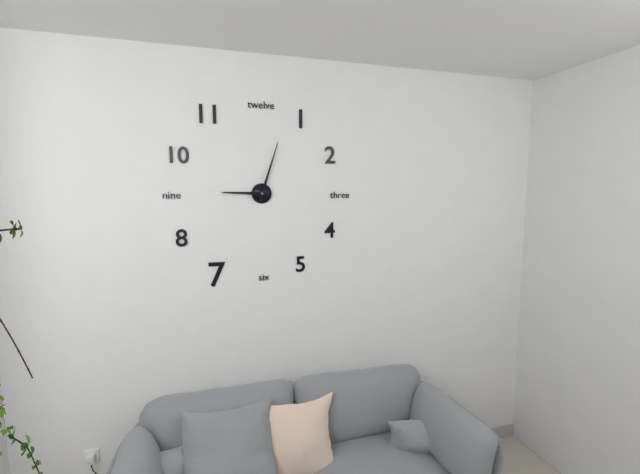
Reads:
9,03
